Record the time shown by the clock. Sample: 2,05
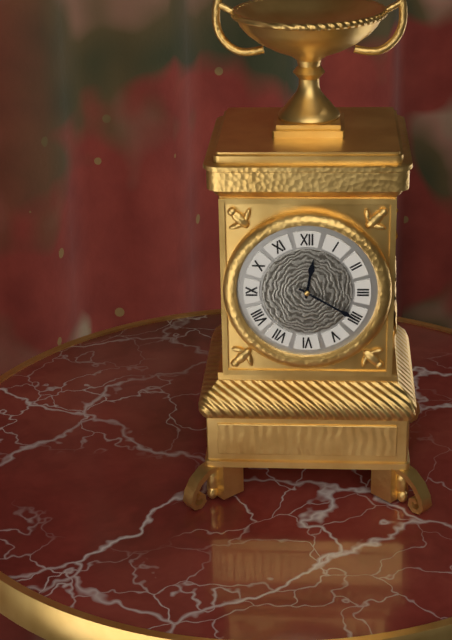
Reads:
12,20
